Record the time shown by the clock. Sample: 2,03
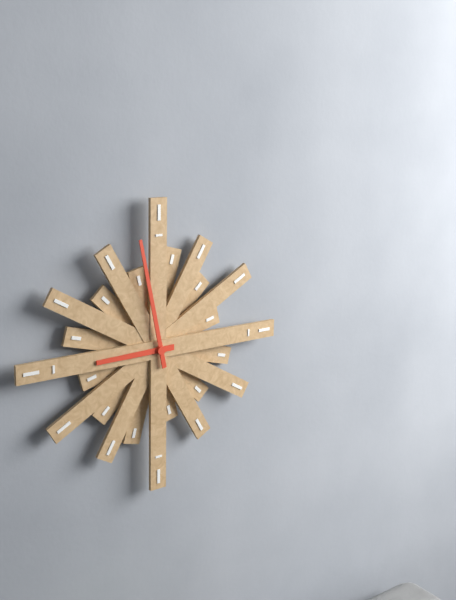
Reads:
8,58
